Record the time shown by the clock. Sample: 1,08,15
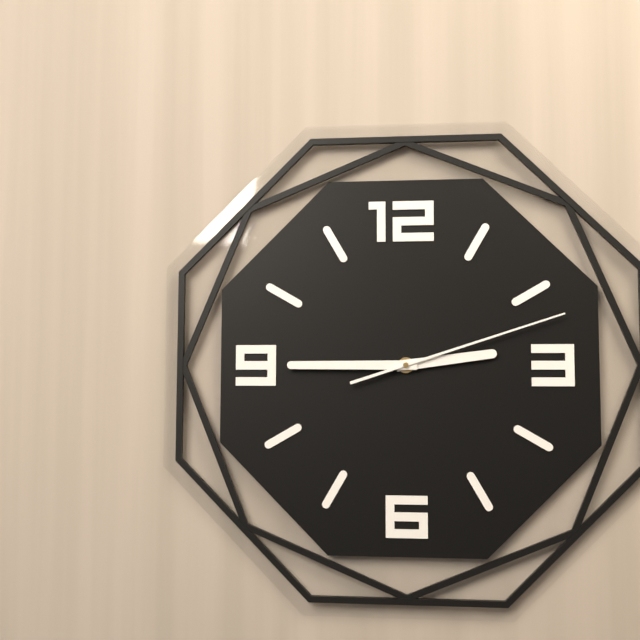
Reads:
2,45,12
